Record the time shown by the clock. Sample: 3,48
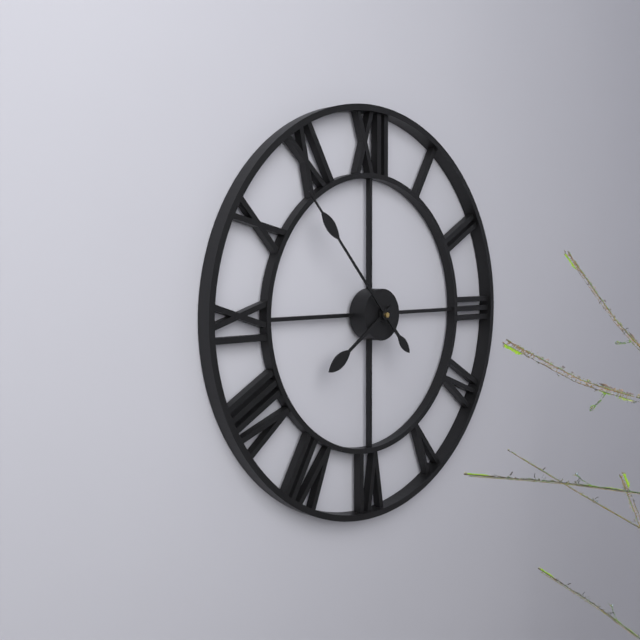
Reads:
7,53
